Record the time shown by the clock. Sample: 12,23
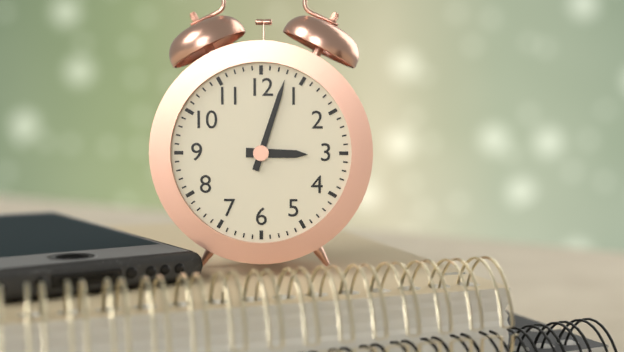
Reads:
3,03
